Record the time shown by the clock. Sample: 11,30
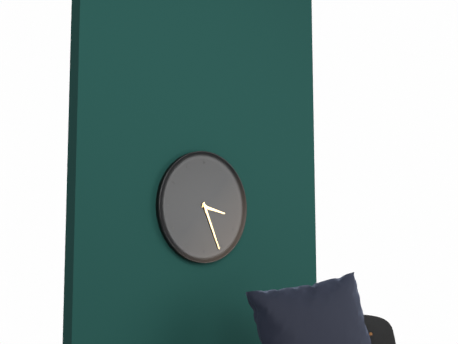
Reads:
3,26
